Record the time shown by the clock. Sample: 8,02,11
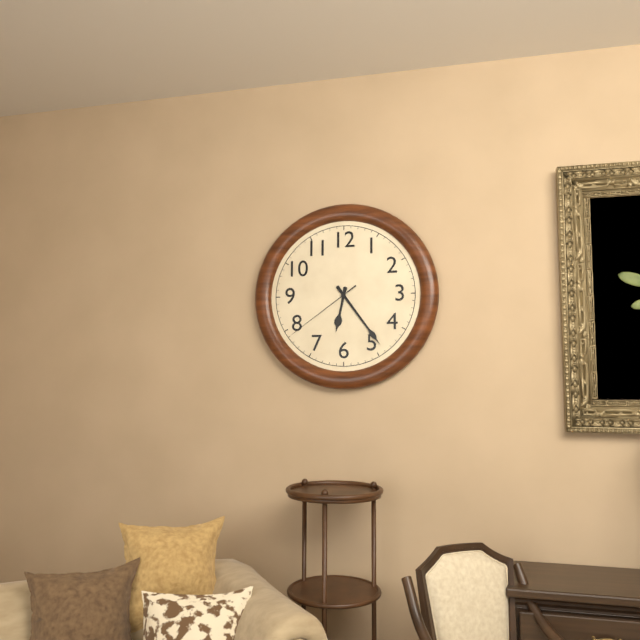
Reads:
6,24,39
